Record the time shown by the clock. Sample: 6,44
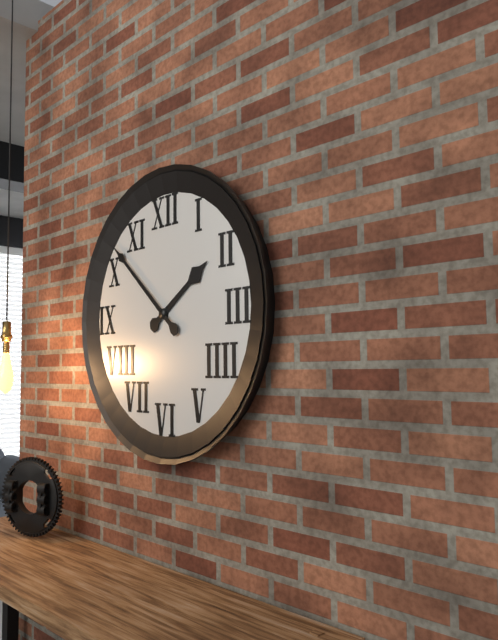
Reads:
1,52
